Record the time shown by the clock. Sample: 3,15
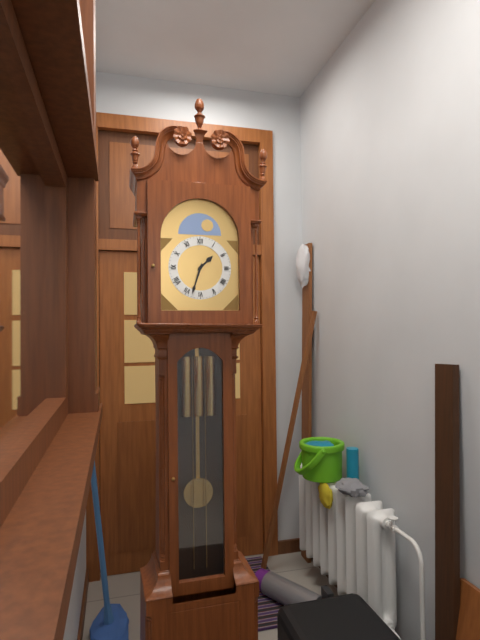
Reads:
1,33
